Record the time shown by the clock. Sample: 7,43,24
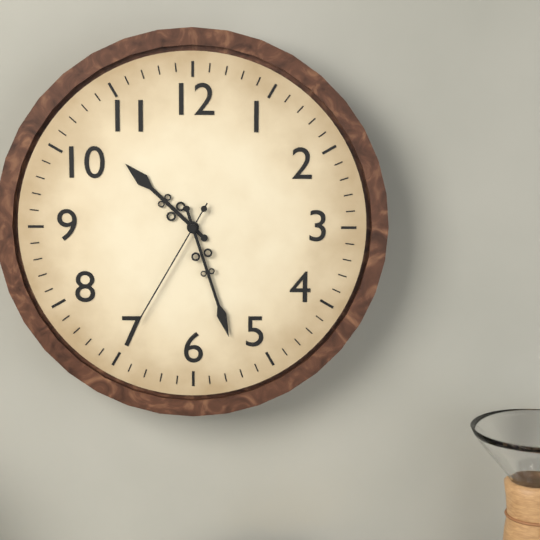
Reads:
10,27,35
